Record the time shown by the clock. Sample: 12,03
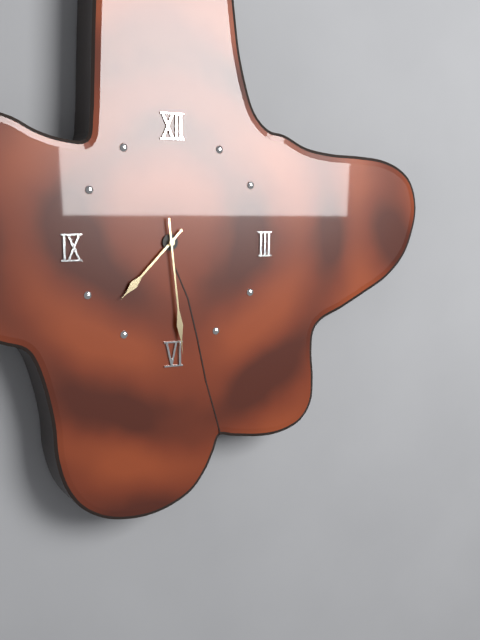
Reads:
7,29
